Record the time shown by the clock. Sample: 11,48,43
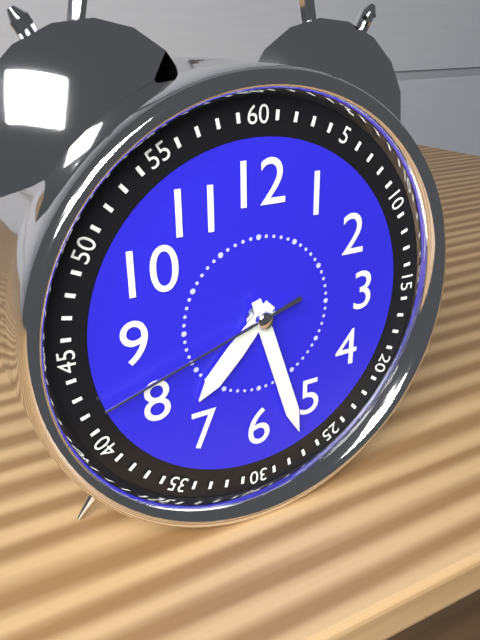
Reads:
7,27,42
